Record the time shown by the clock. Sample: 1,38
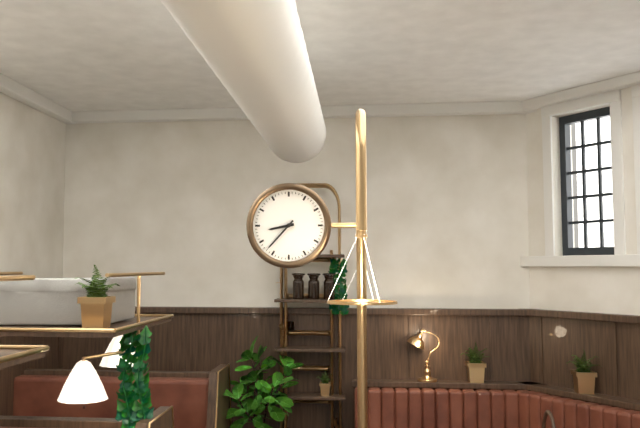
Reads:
8,37
